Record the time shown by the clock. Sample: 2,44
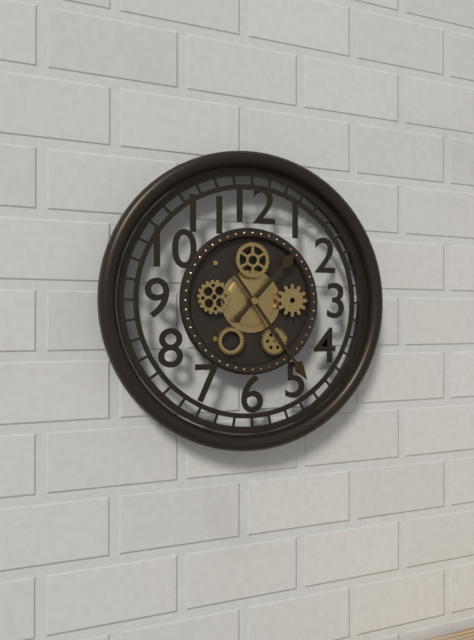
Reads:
1,24
